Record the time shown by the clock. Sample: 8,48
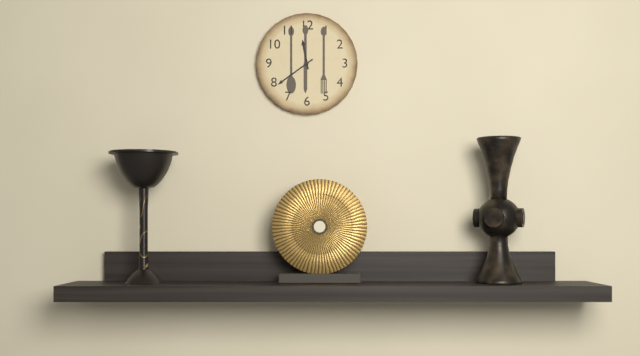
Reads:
11,39
